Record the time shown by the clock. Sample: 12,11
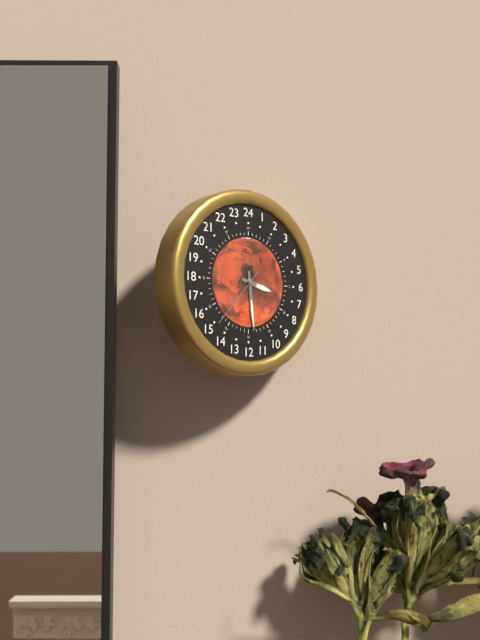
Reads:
3,29
